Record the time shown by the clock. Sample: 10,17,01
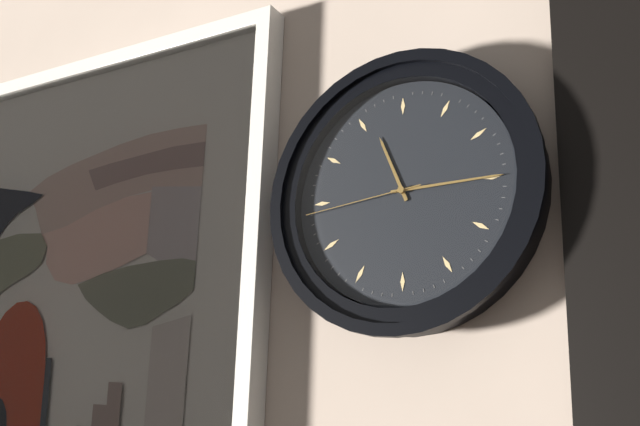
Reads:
11,15,44
